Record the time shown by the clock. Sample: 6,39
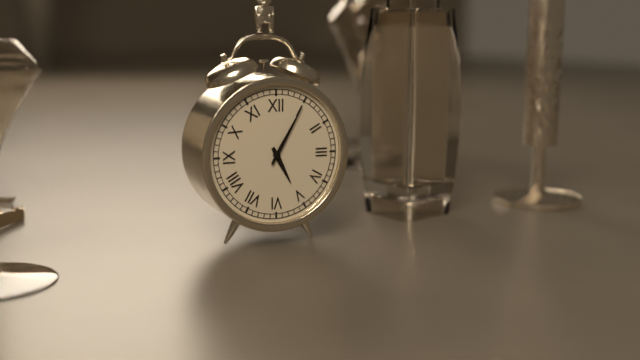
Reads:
5,05
